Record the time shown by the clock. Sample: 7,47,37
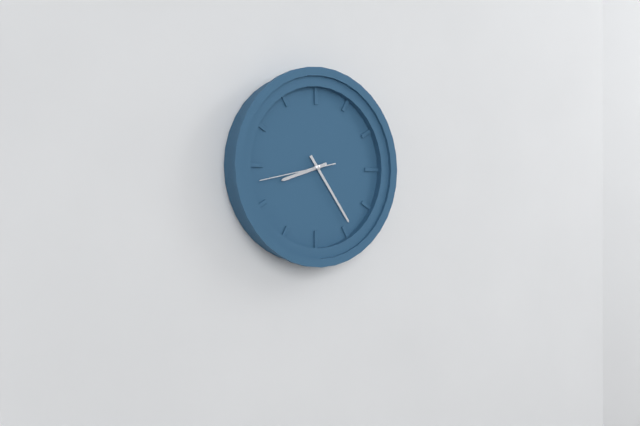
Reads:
8,24,43
